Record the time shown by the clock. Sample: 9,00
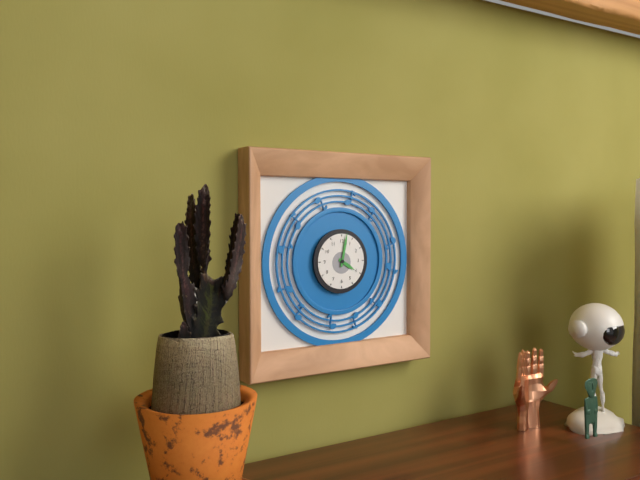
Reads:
4,02
